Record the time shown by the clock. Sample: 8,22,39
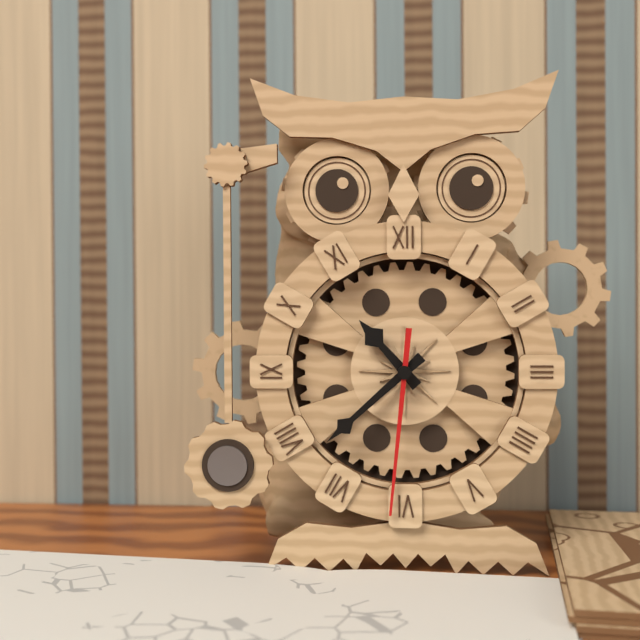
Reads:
10,38,31
